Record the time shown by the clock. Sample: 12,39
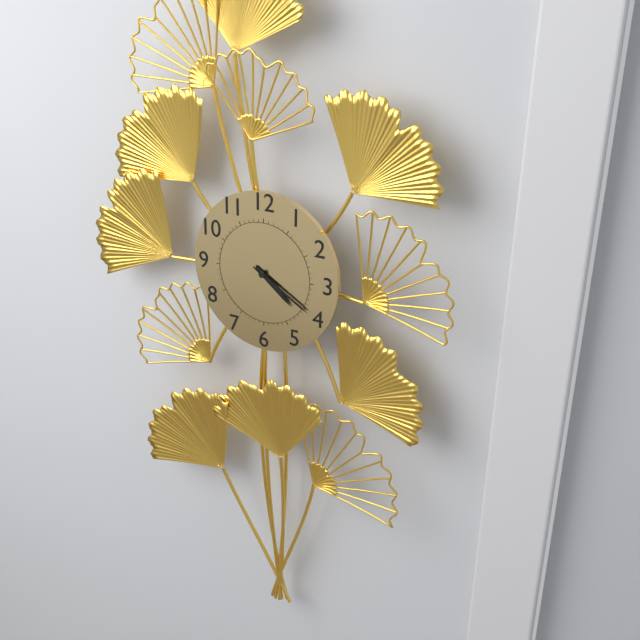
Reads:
4,20
